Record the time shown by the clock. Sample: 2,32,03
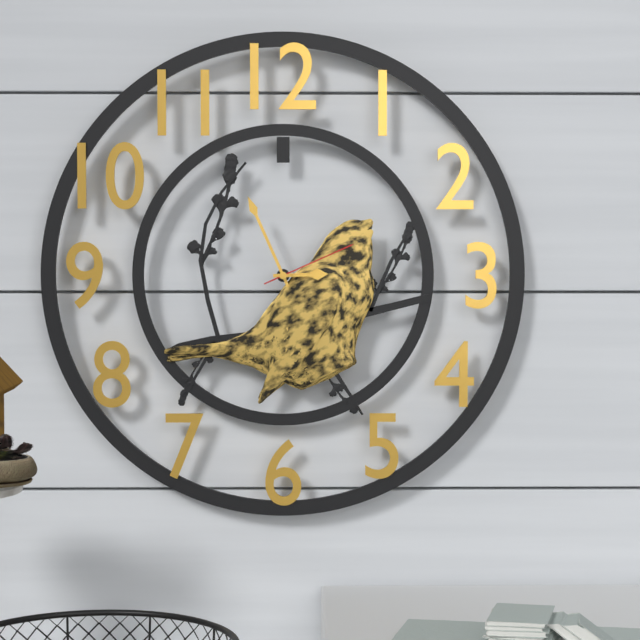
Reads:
2,56,11
